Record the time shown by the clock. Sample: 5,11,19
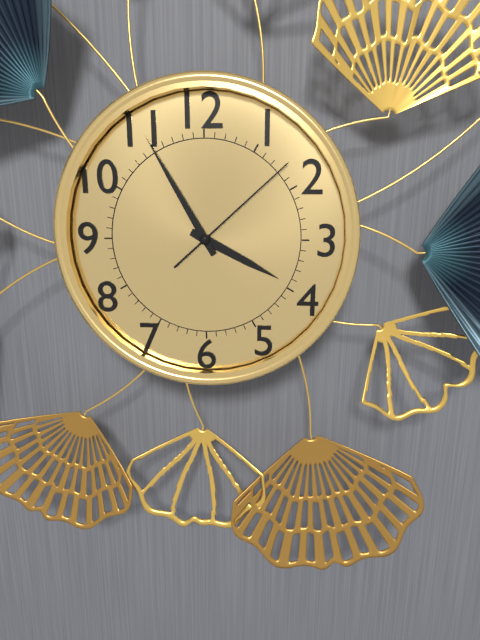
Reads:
3,55,08
